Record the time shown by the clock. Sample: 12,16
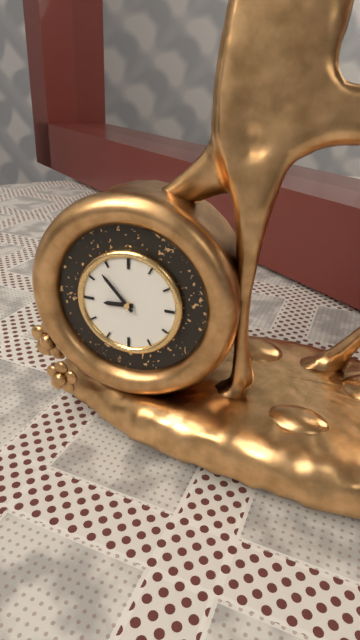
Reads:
8,53
